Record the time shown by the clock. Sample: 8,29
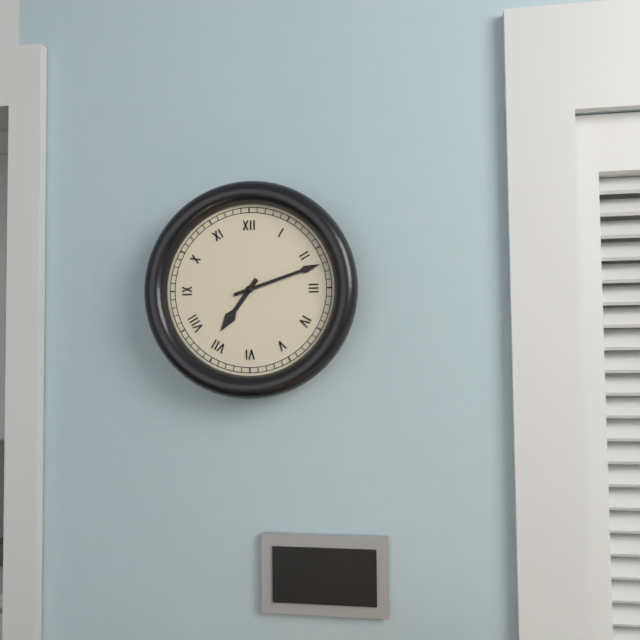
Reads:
7,12
